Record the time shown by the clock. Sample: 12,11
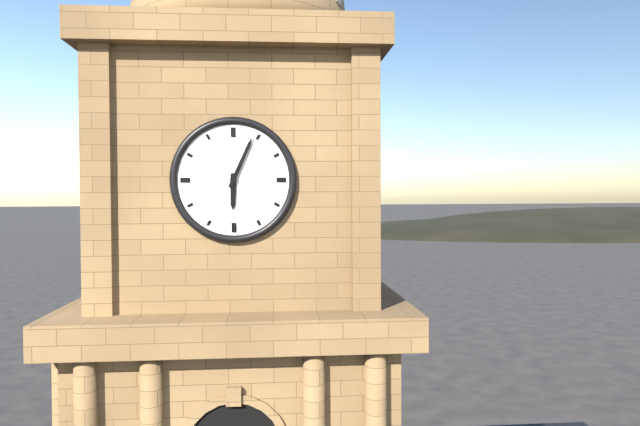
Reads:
6,04
